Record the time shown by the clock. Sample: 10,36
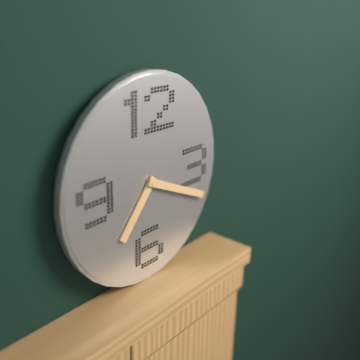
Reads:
7,19
